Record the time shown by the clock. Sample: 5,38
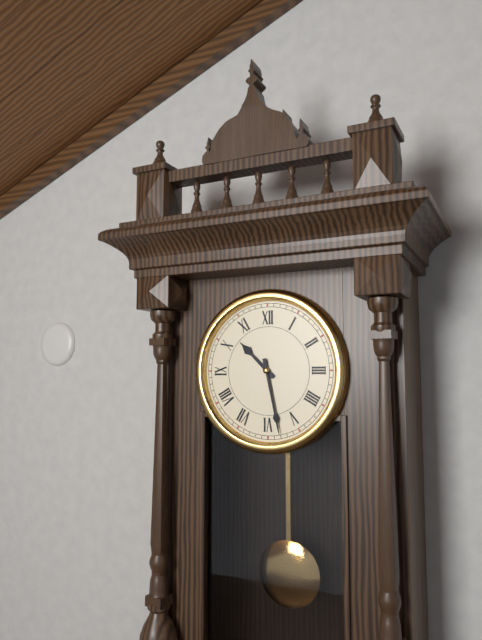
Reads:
10,28
